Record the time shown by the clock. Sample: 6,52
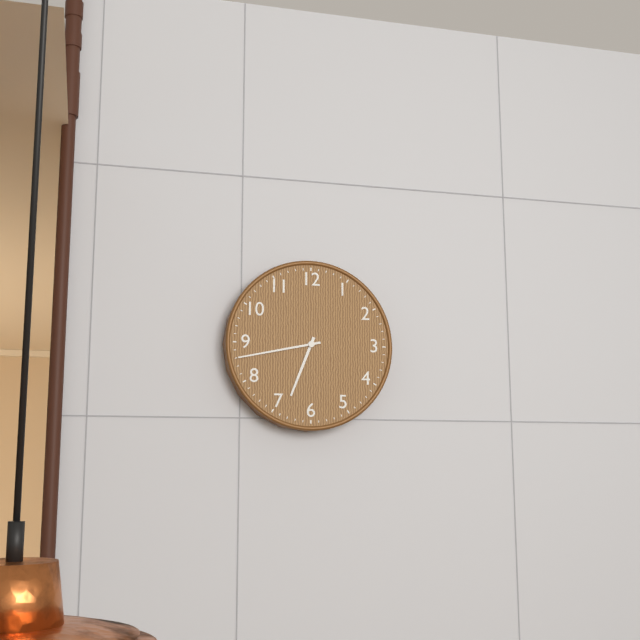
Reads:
6,43
